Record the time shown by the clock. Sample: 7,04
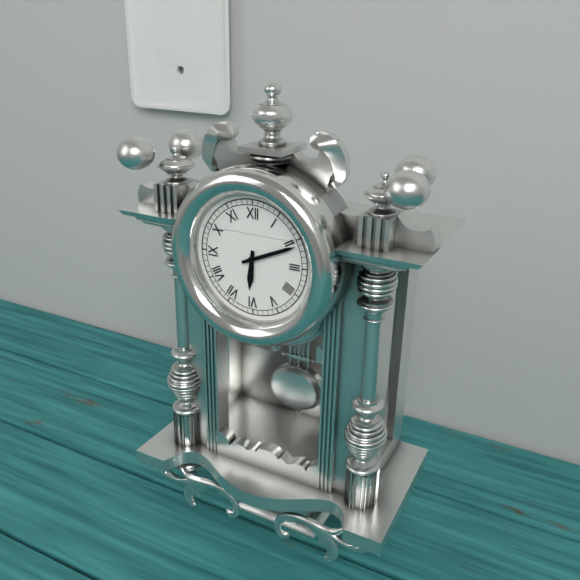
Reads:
6,11
